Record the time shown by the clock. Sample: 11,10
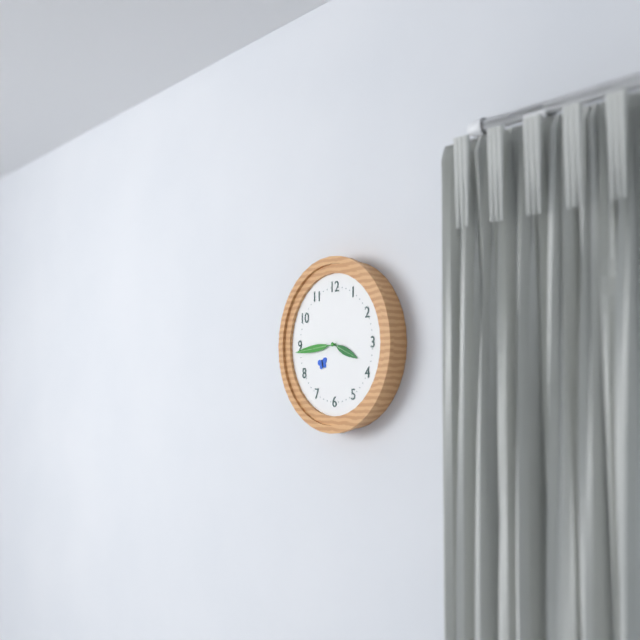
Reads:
3,44
